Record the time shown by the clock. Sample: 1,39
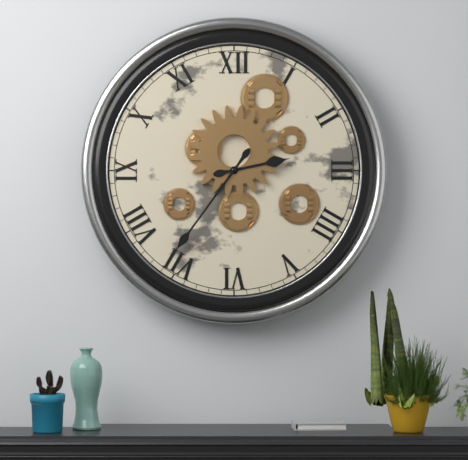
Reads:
2,36
